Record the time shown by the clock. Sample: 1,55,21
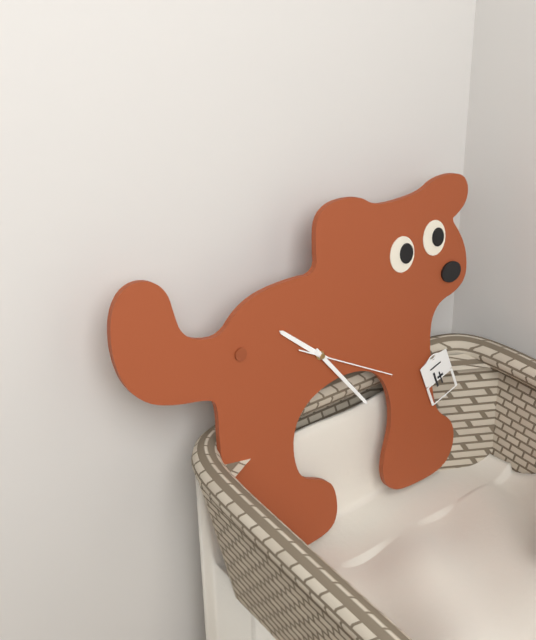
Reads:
10,24,20
